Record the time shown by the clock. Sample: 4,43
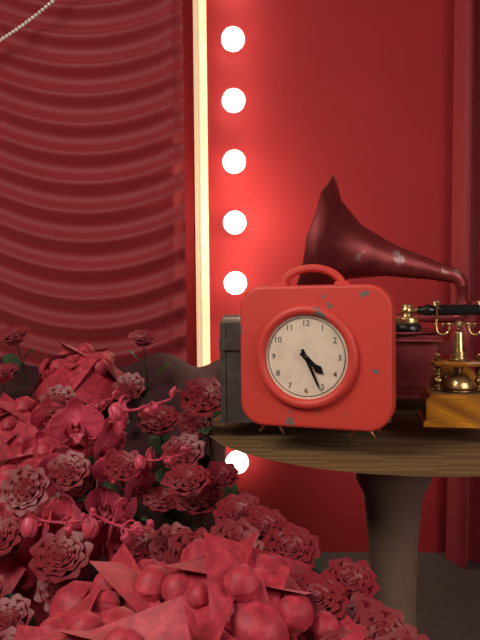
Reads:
4,26
